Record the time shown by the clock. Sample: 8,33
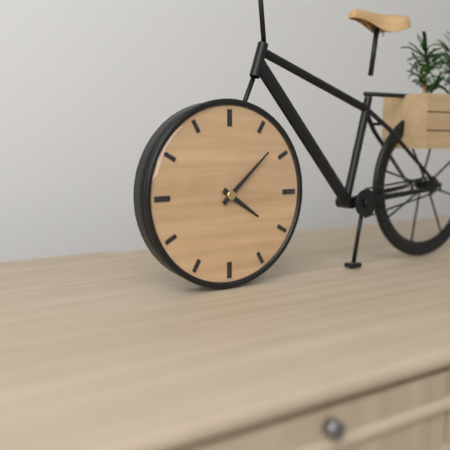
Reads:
4,08
